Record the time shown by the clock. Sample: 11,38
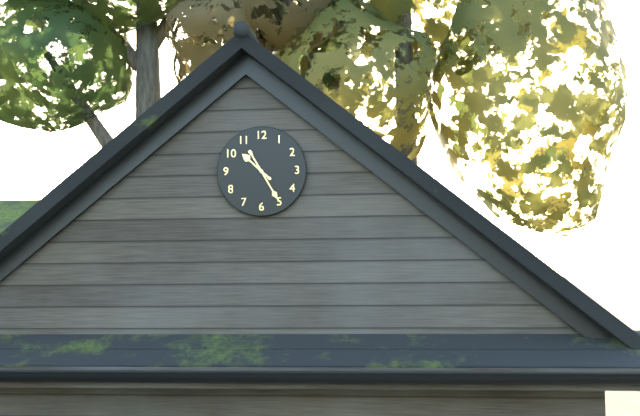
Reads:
10,25
